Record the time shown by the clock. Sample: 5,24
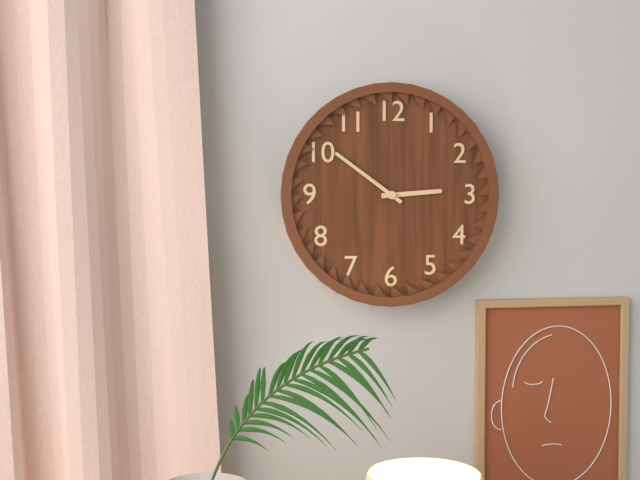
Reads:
2,51
